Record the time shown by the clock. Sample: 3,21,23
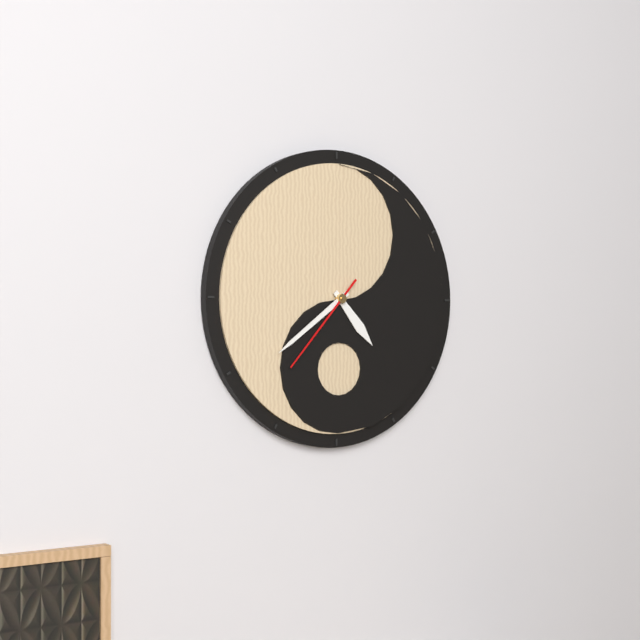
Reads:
4,39,37
